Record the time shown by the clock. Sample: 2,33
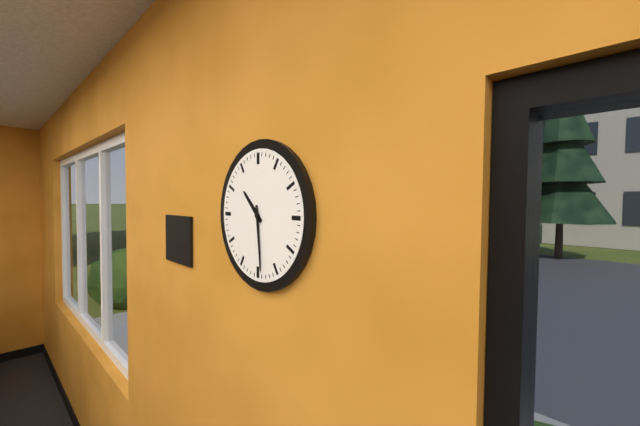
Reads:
10,29
